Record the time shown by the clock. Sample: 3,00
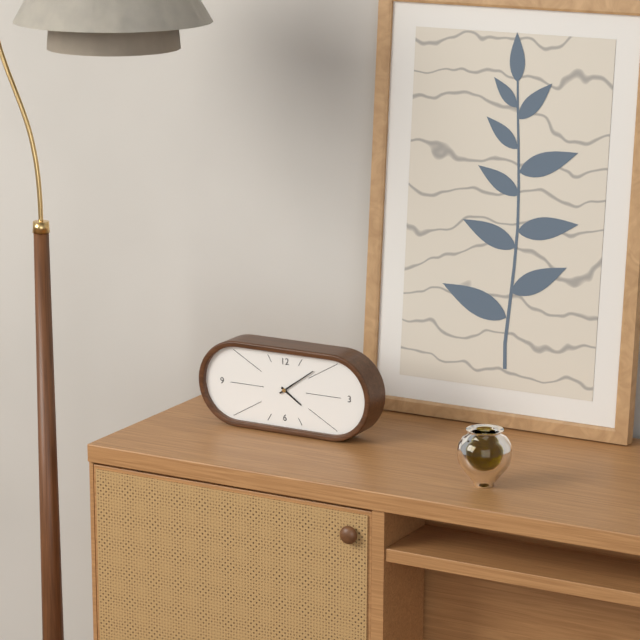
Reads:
4,09
